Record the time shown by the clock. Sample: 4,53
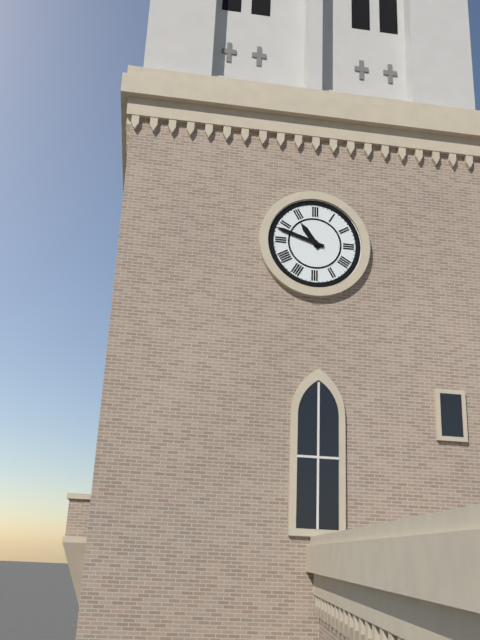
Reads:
10,48
